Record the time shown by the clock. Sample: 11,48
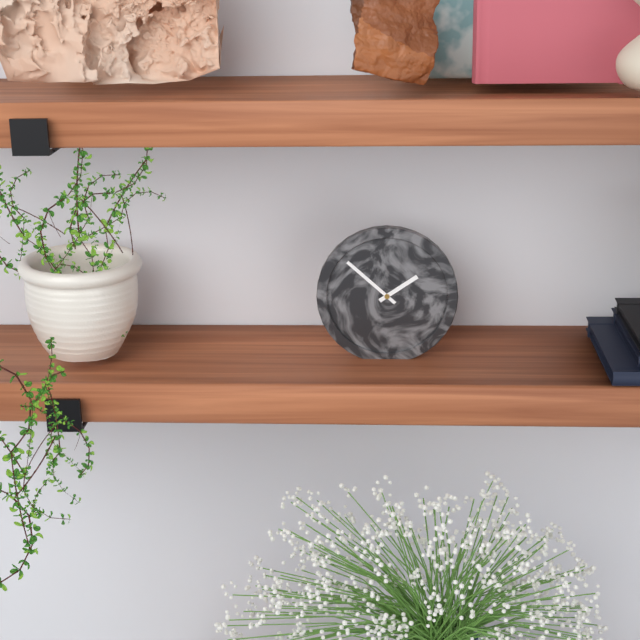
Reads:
1,52
